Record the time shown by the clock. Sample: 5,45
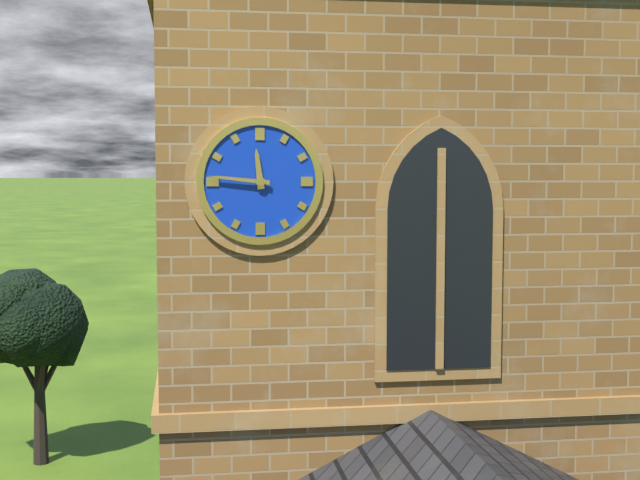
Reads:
11,46
